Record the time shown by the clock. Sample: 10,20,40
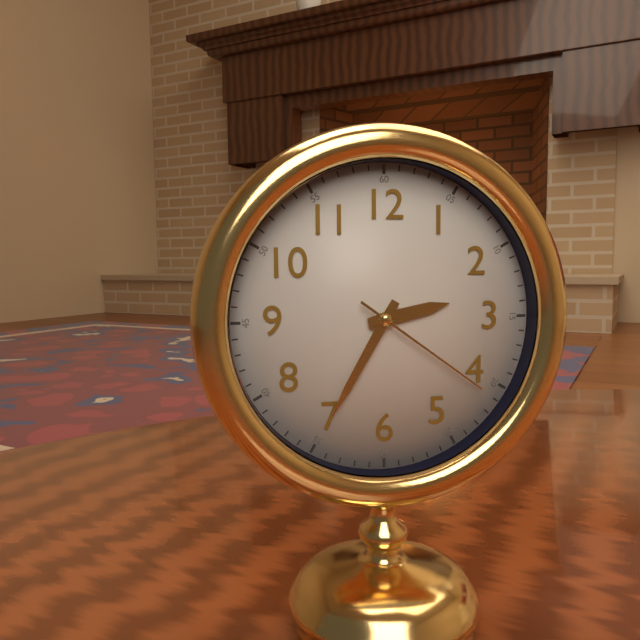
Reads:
2,35,21
